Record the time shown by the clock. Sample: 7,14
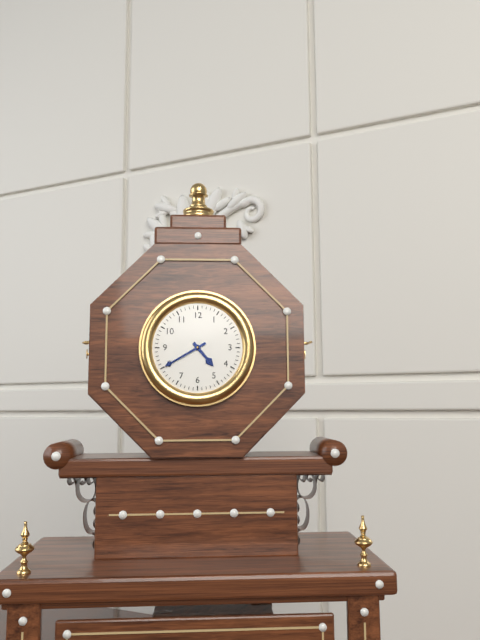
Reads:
4,40
